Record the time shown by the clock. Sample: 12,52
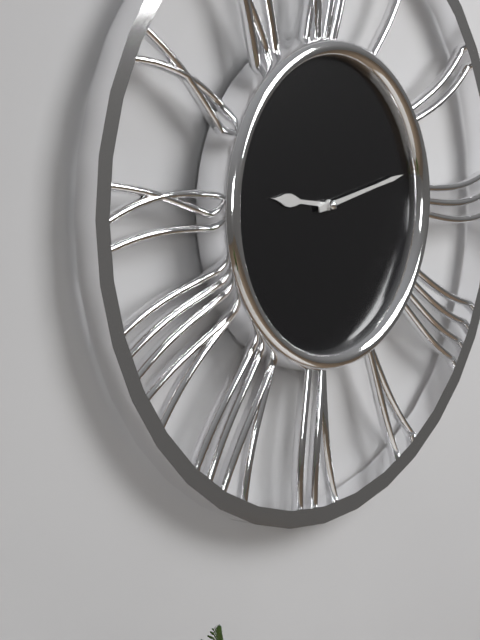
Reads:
9,13
